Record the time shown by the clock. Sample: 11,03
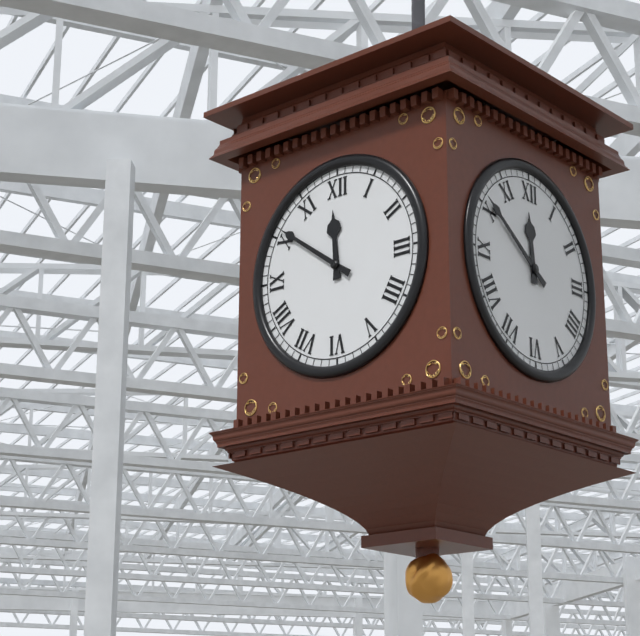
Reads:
11,51
